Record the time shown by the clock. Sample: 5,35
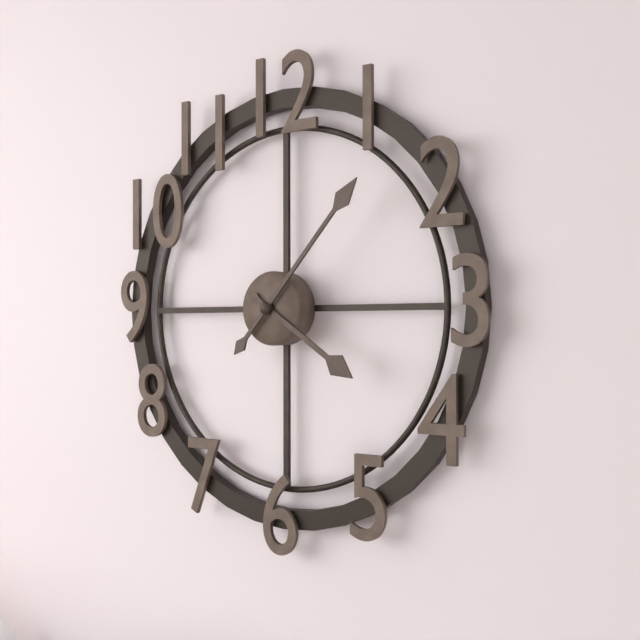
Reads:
4,07
